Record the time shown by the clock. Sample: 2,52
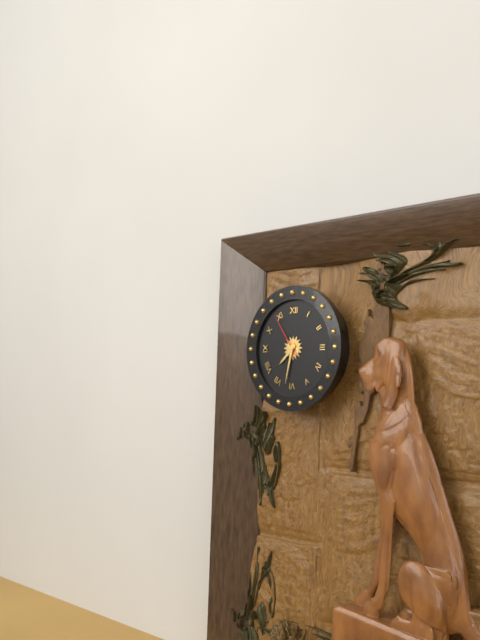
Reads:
7,32
